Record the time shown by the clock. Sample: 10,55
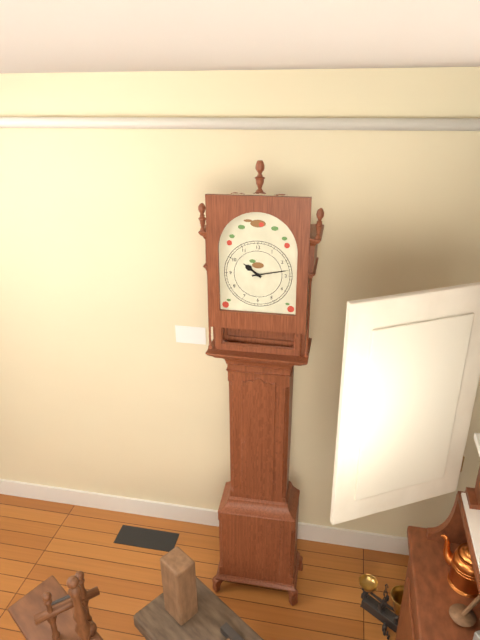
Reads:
10,13
